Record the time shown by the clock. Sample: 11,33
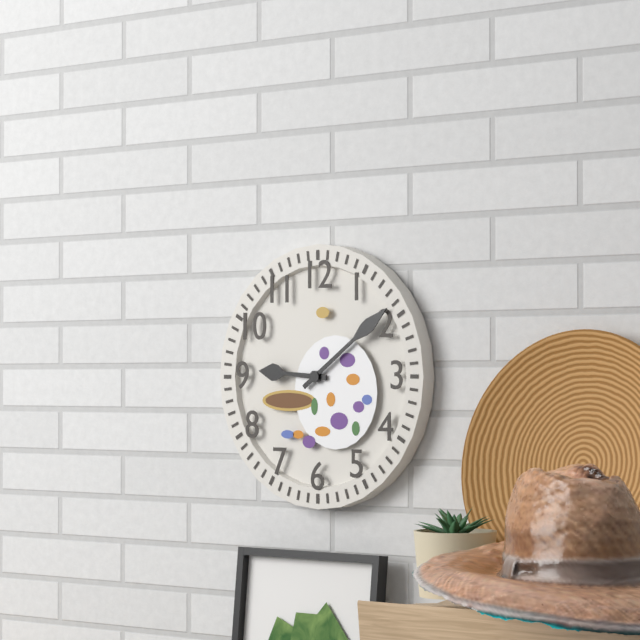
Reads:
9,09
